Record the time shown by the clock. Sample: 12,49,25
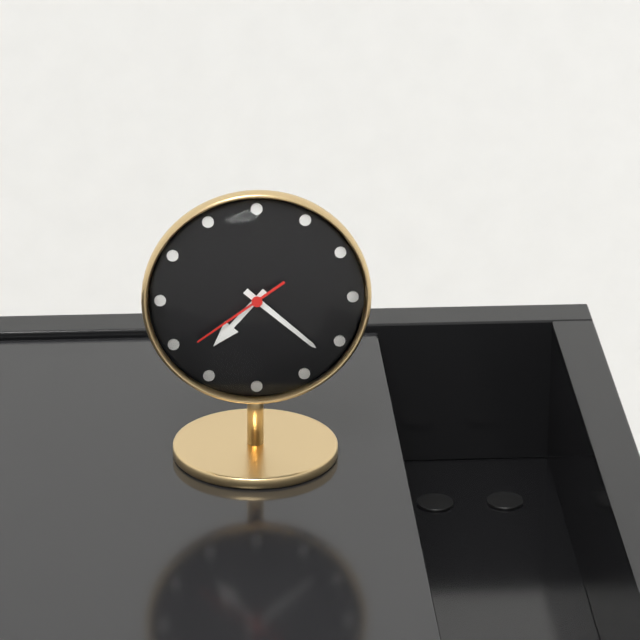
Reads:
7,22,39
